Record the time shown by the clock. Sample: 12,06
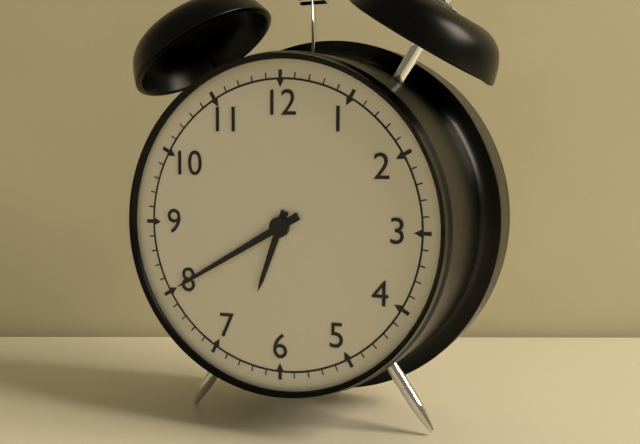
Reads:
6,40
